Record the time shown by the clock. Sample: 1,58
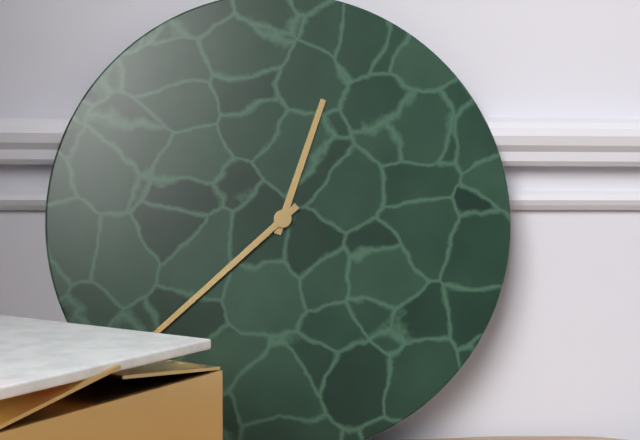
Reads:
12,38
